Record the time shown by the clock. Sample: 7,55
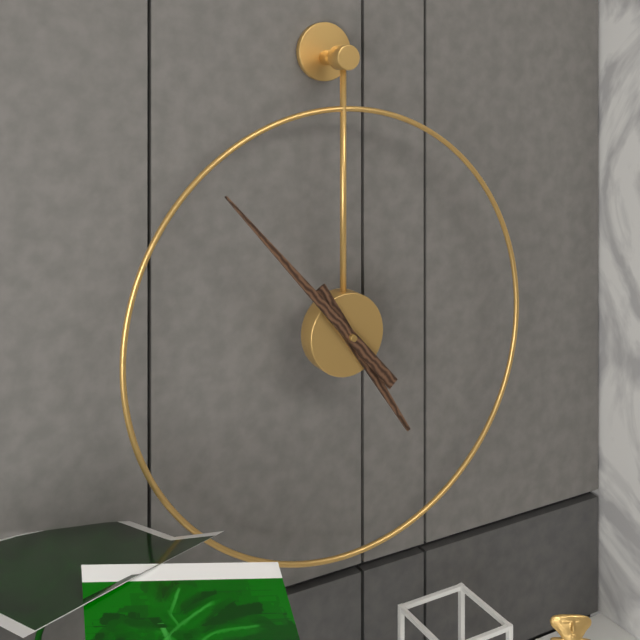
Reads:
4,53
